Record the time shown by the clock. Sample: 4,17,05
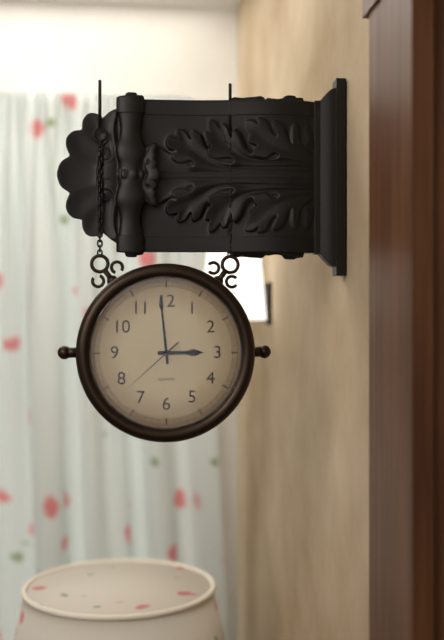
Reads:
2,59,38
